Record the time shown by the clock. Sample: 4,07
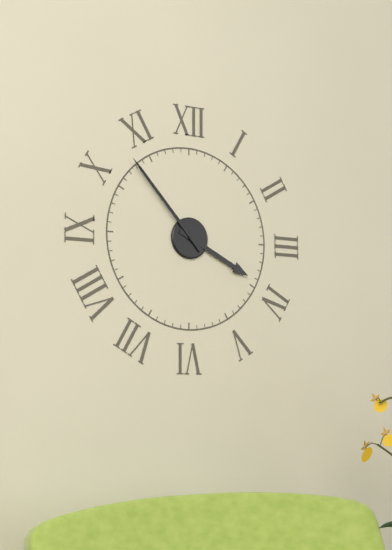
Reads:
3,53
